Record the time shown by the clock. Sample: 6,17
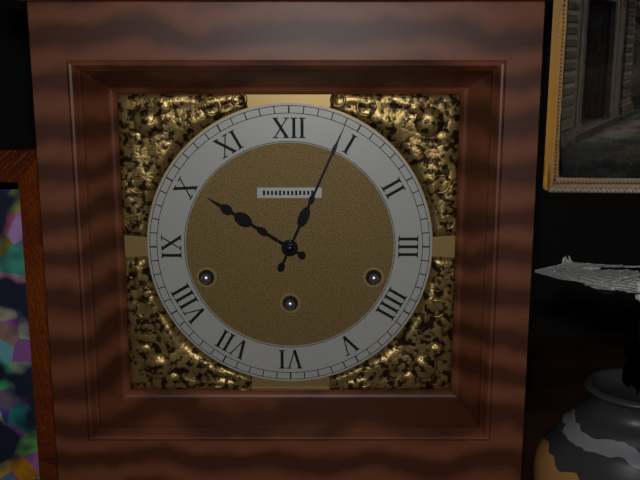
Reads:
10,04
